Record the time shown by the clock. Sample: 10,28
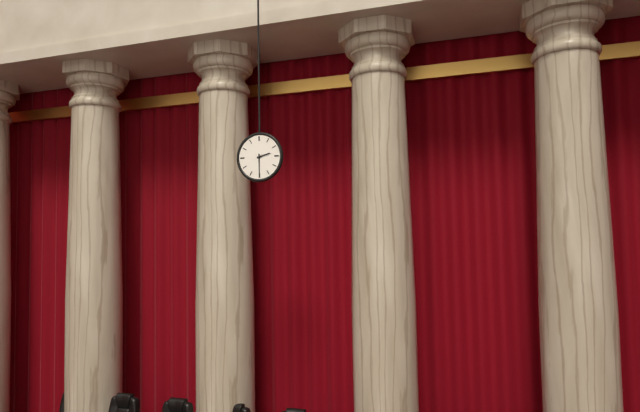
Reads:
2,30
